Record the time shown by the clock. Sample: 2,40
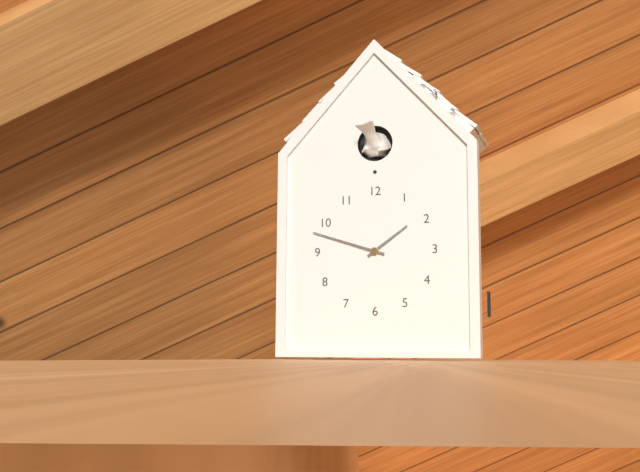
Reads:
1,48
